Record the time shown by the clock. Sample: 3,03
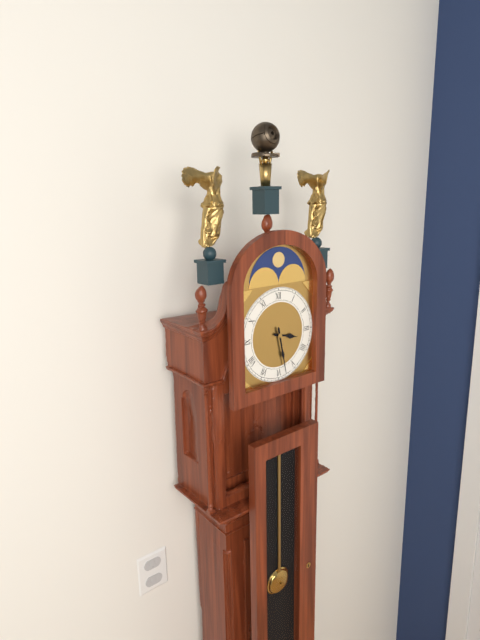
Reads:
3,28
